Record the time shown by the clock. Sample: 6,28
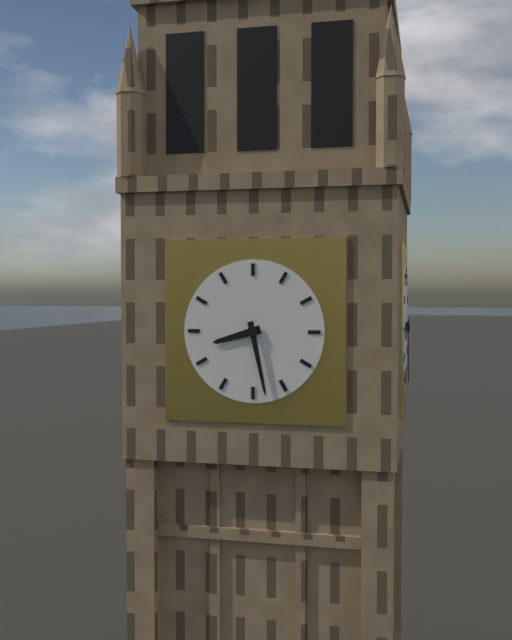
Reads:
8,28
